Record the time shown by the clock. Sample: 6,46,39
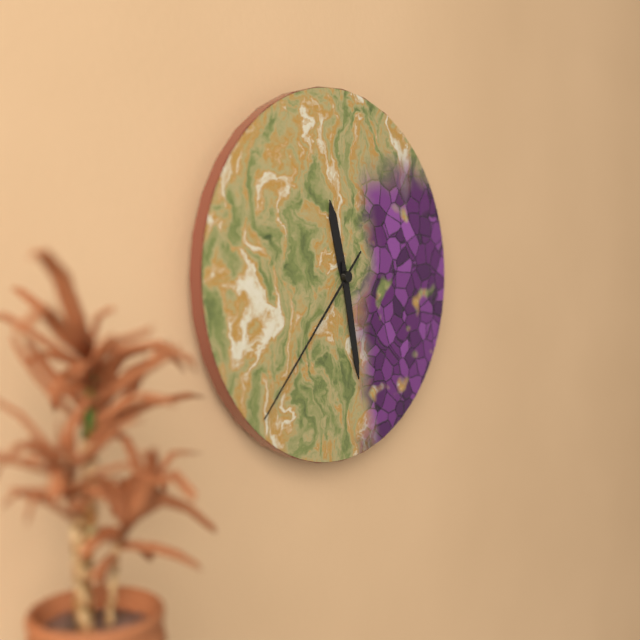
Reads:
11,28,37
